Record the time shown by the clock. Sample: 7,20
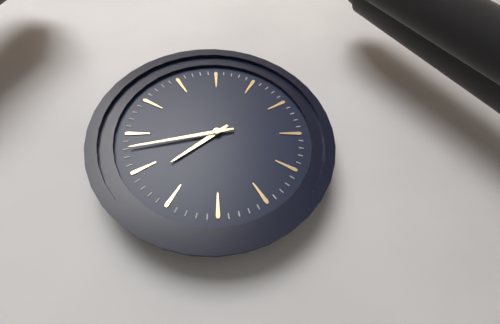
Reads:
7,43
